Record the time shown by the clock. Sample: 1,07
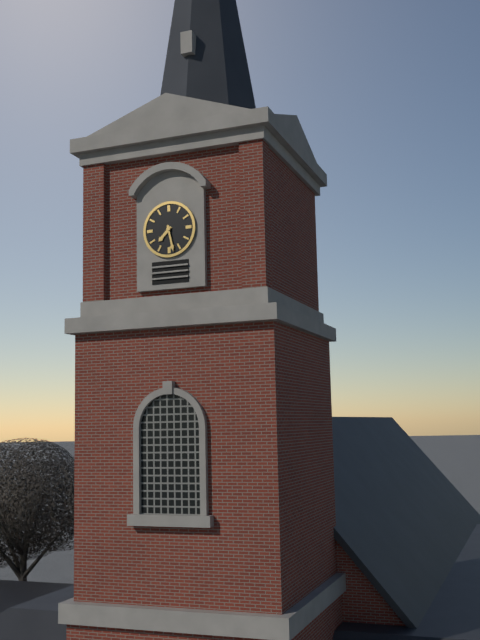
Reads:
7,28
